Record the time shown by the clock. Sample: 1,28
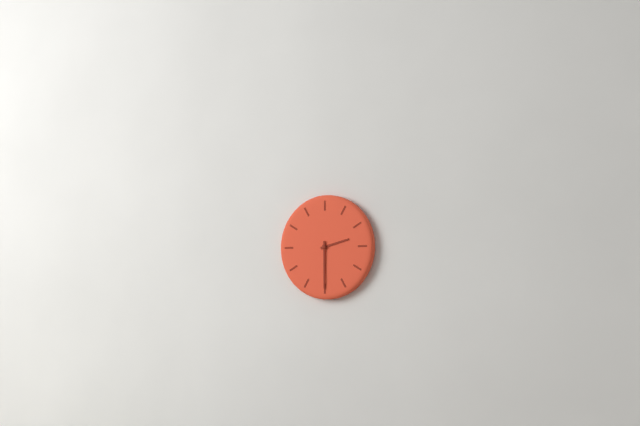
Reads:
2,30
